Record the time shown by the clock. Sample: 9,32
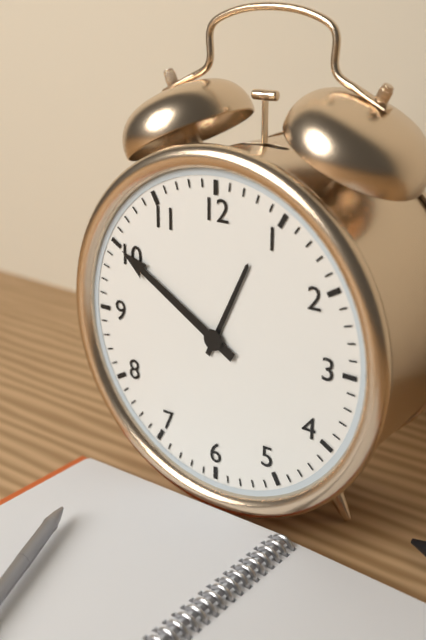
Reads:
12,50
